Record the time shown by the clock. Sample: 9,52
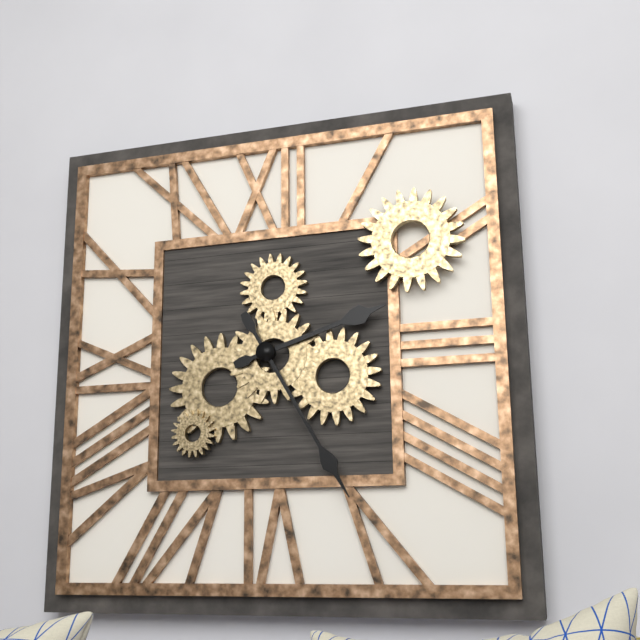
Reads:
2,25
